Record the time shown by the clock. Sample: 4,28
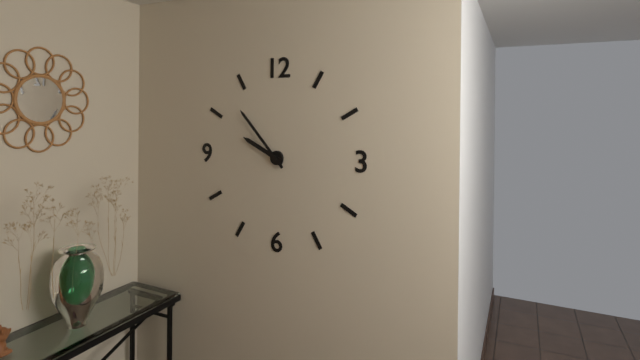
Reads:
9,53
